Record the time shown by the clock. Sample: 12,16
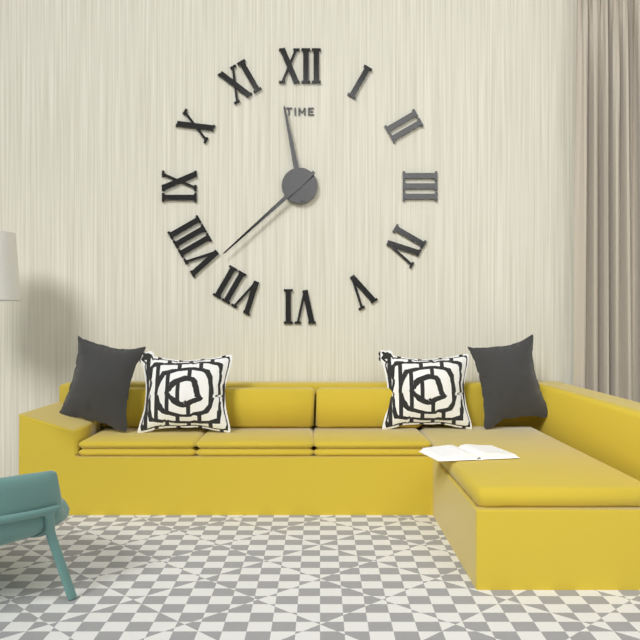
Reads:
11,38
